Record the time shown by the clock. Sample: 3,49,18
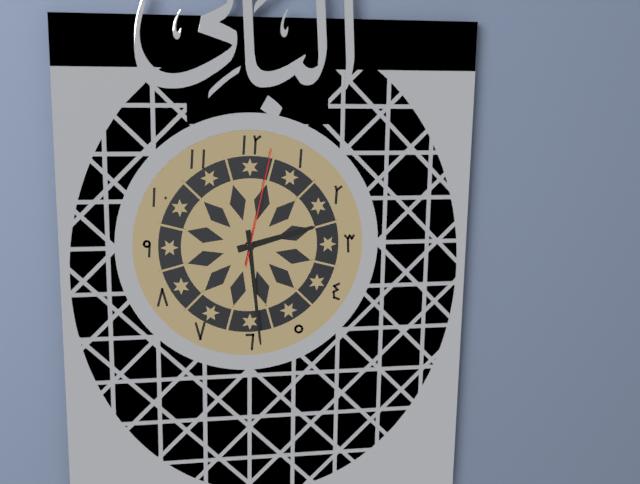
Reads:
2,29,02
